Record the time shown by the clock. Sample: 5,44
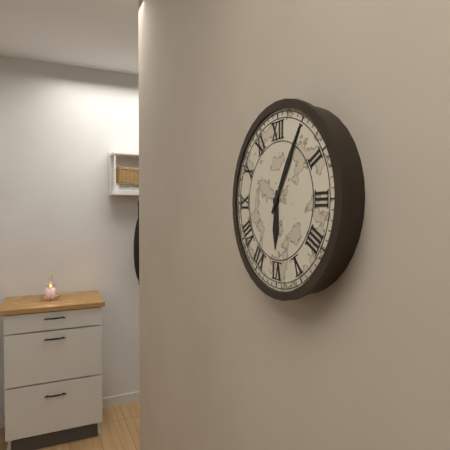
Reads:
6,05
